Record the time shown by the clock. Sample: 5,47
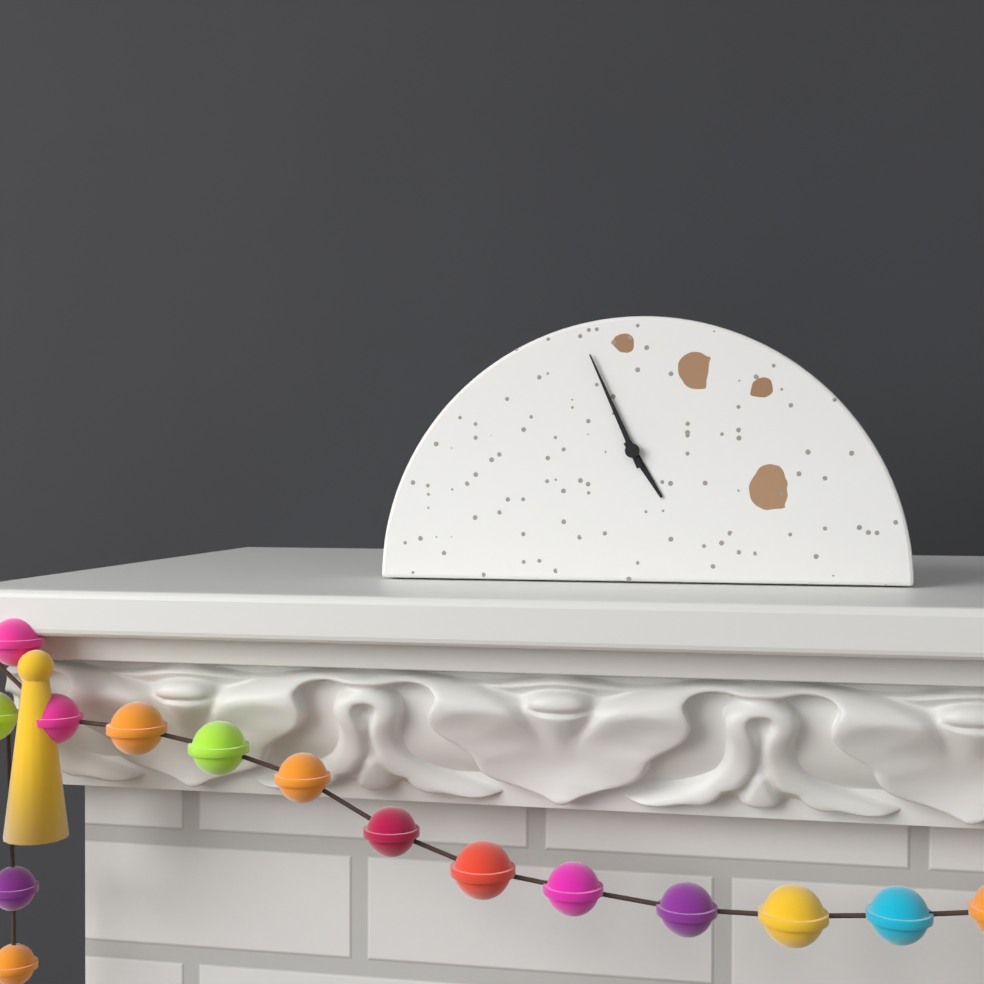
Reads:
4,56
